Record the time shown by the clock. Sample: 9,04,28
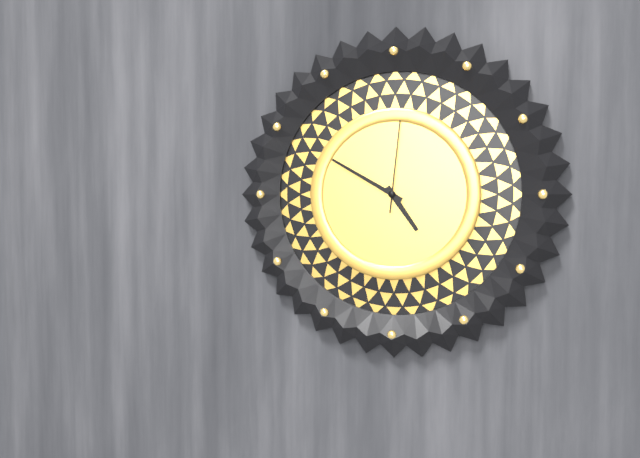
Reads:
4,50,01
